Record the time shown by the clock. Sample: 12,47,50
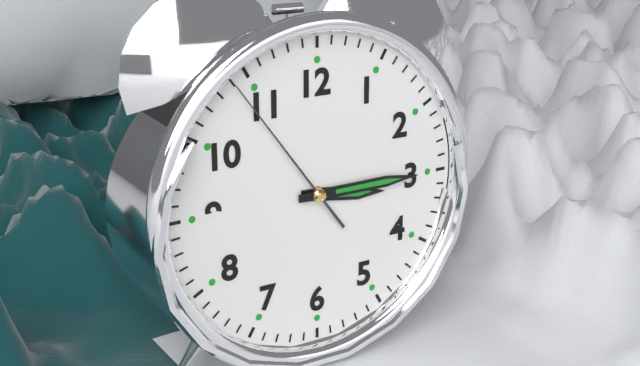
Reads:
3,15,54
